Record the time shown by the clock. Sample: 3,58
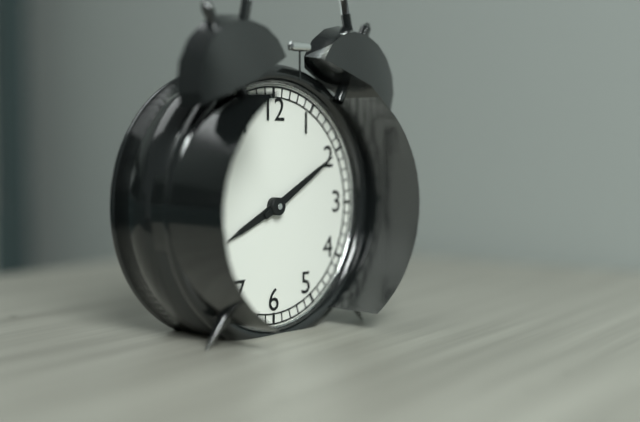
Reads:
8,10
